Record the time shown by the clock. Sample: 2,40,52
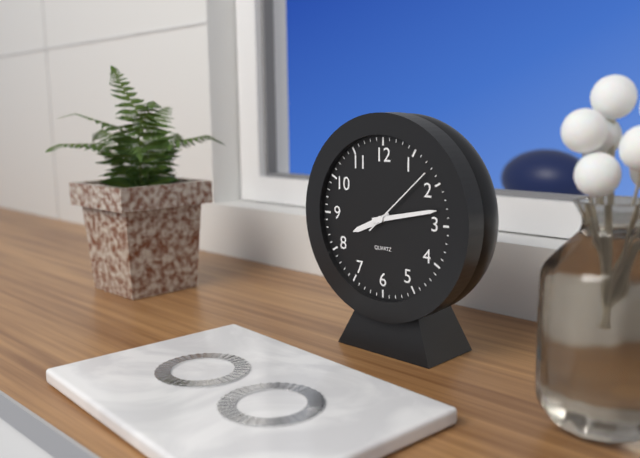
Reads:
8,13,08
